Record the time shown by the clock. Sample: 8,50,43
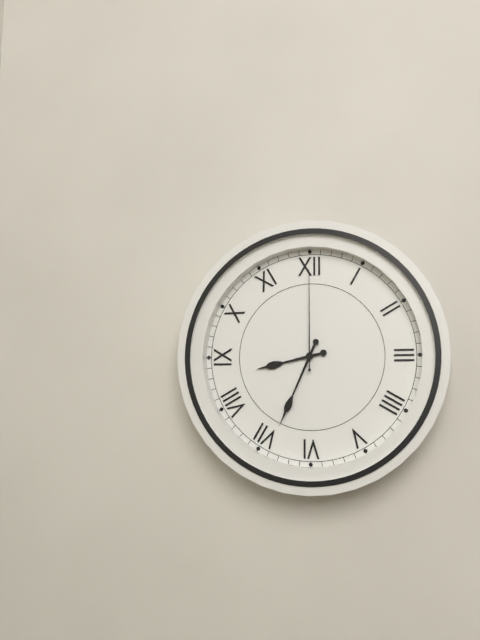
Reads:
8,34,00
